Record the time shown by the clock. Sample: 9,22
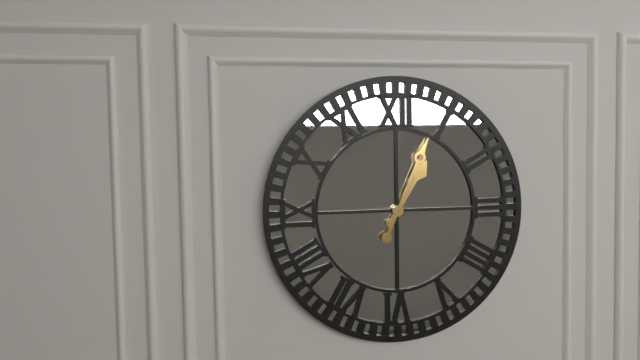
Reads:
1,04
